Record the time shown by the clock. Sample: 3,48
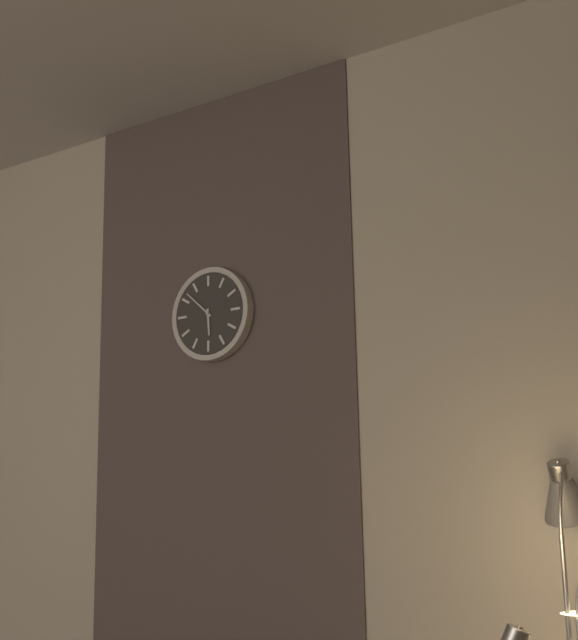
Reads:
5,52
